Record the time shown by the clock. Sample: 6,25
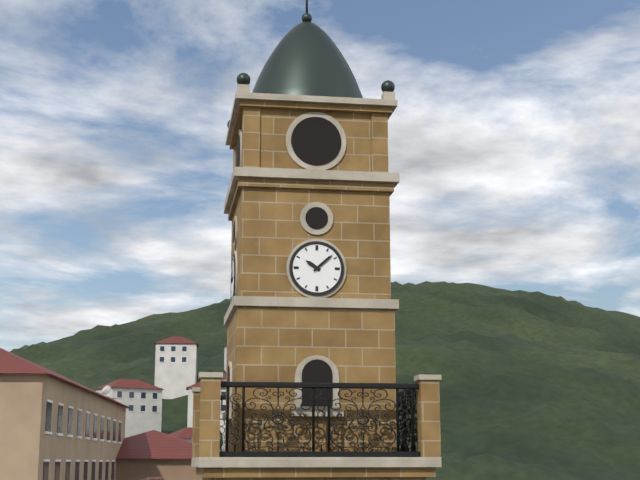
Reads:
10,08
